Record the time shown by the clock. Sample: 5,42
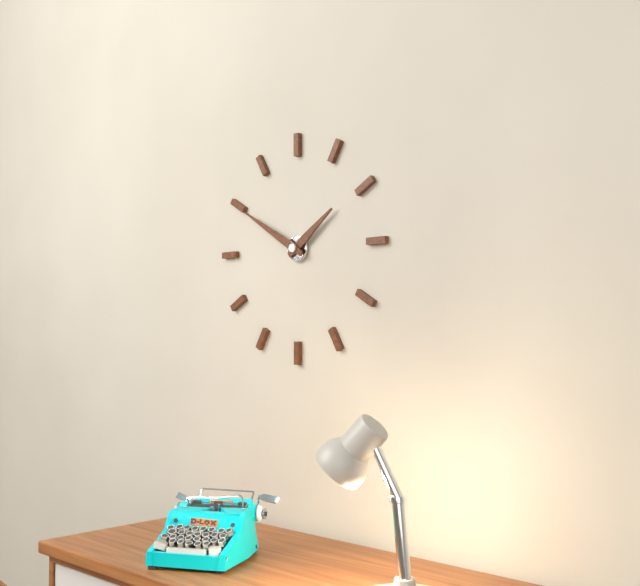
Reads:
1,50
